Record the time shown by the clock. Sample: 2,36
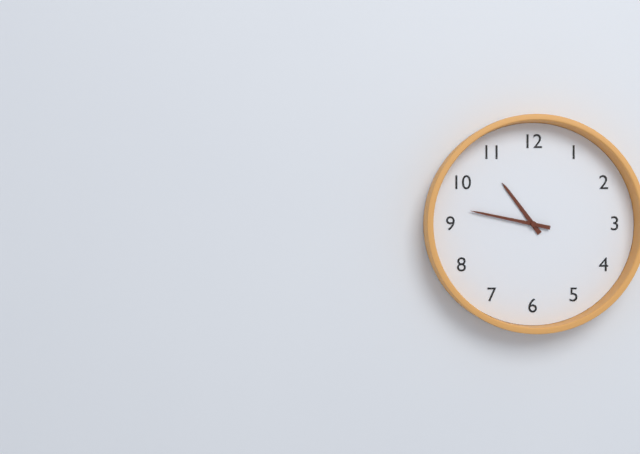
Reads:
10,47
